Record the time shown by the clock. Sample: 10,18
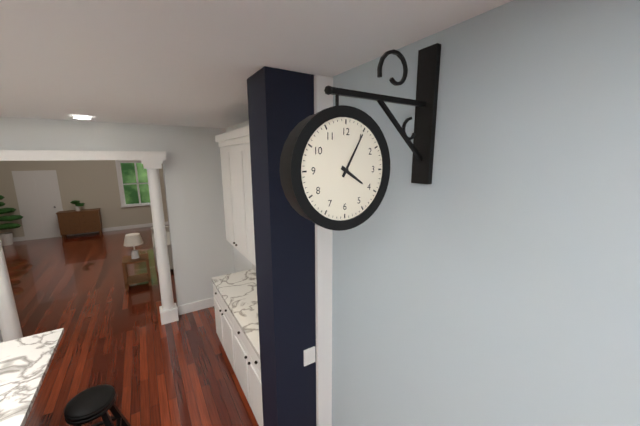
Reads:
4,05
